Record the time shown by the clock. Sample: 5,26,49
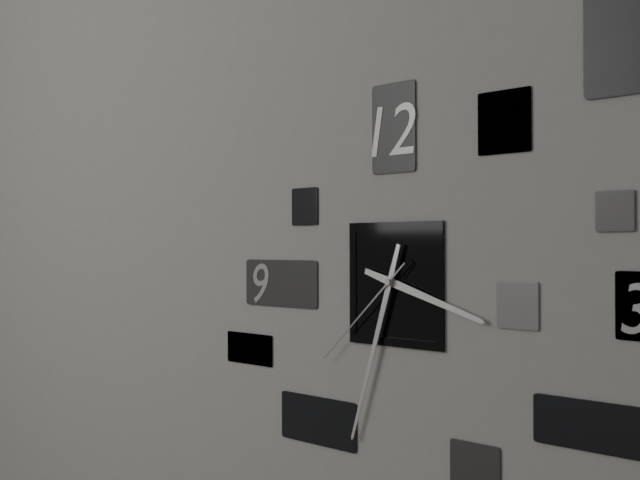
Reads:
3,33,38
